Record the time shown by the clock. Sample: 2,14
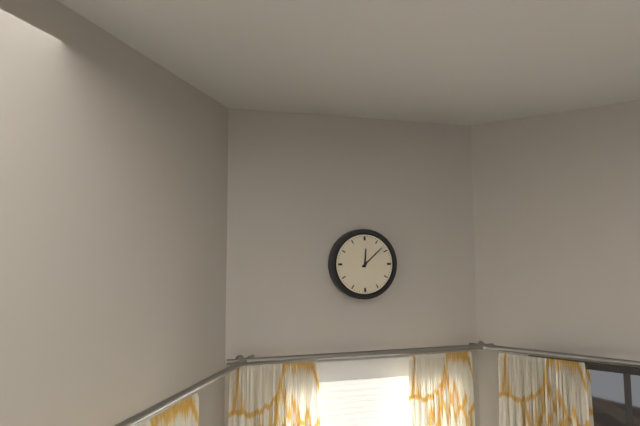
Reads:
12,08
